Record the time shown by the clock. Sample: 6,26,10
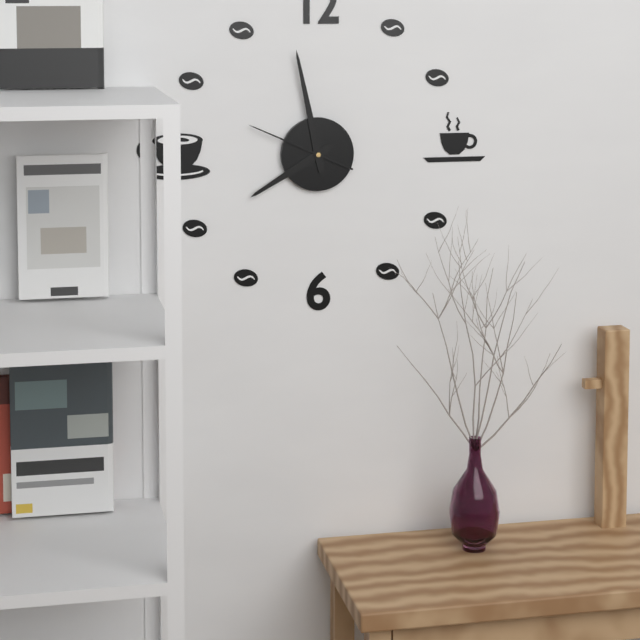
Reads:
7,58,49
